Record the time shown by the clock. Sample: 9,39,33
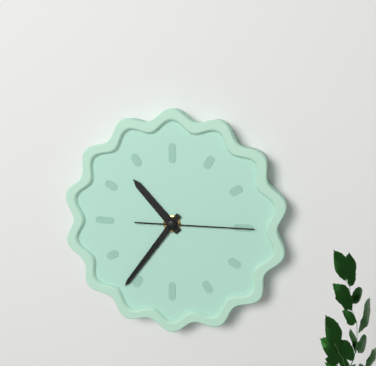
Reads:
10,36,15
